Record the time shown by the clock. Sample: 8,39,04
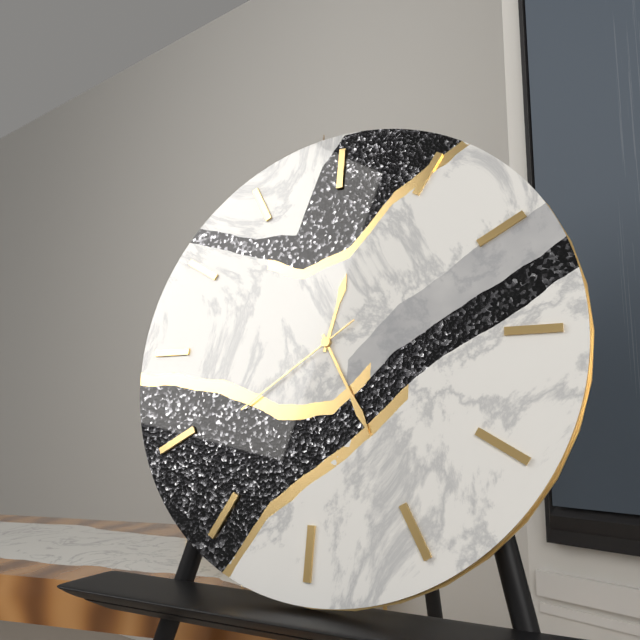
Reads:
12,25,39
